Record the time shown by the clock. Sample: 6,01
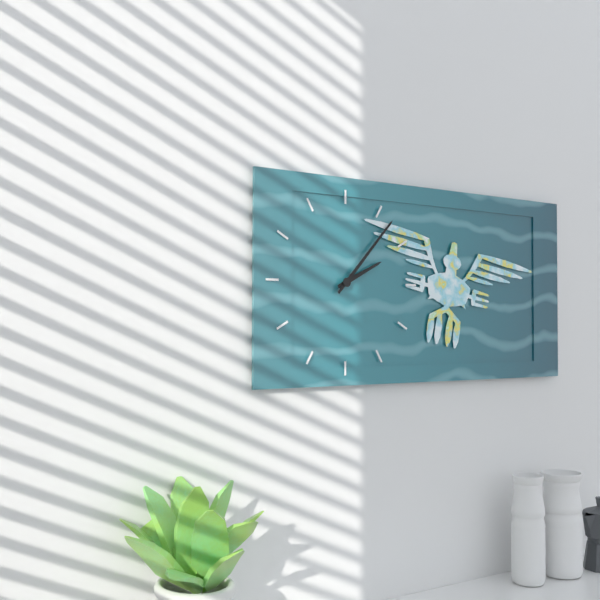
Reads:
2,07
